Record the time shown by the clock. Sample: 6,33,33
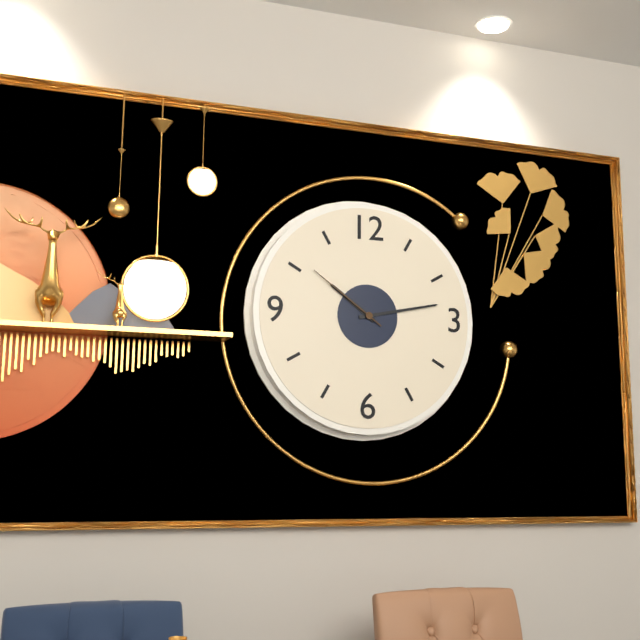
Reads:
10,13,51
